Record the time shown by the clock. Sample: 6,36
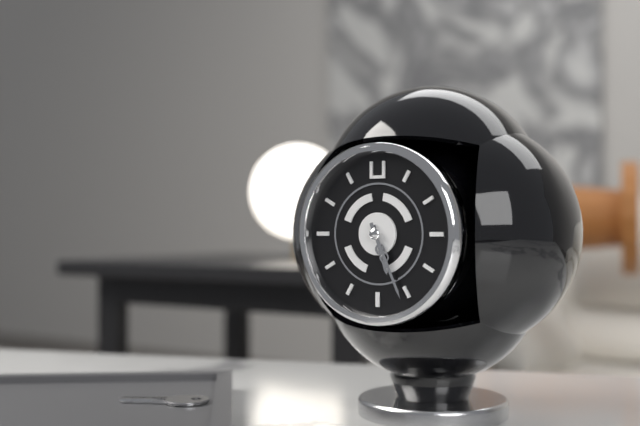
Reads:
5,26
